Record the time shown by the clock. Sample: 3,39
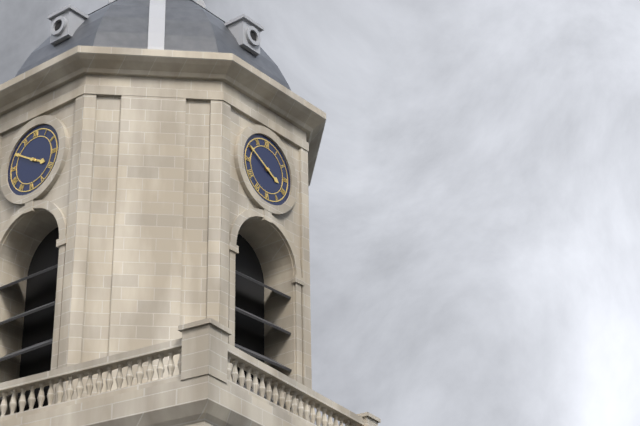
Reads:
3,50
